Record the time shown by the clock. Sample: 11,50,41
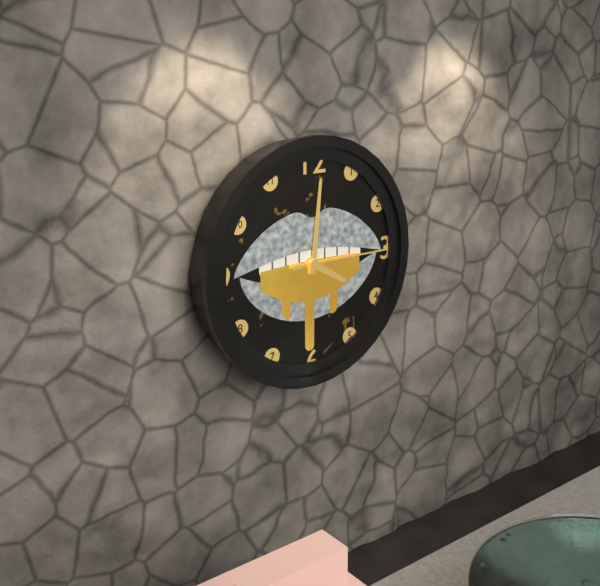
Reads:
4,01,15
